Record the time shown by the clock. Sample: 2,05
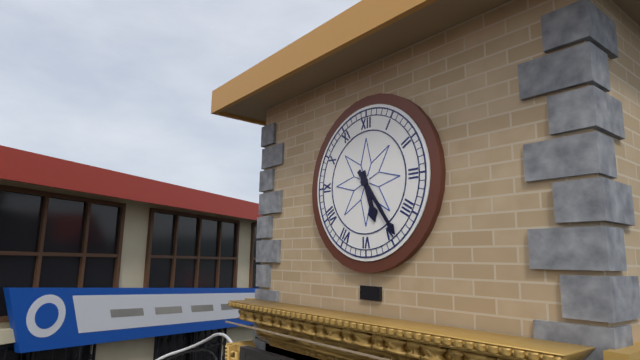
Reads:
5,24
